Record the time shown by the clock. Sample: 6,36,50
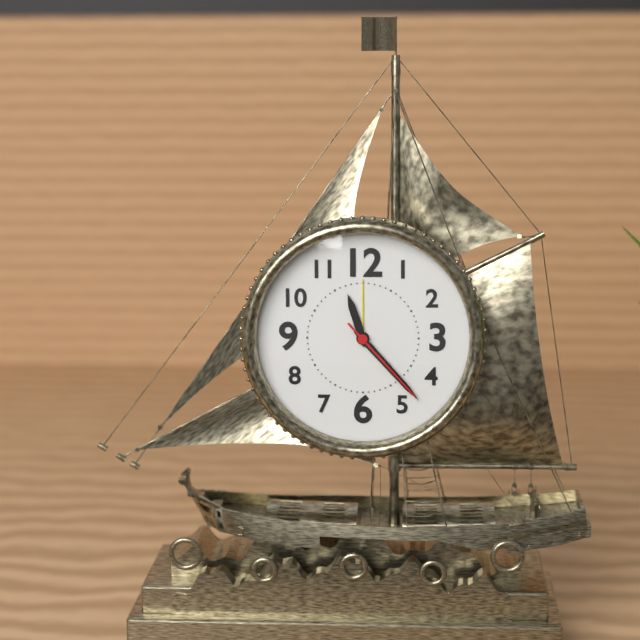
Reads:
11,23,23
